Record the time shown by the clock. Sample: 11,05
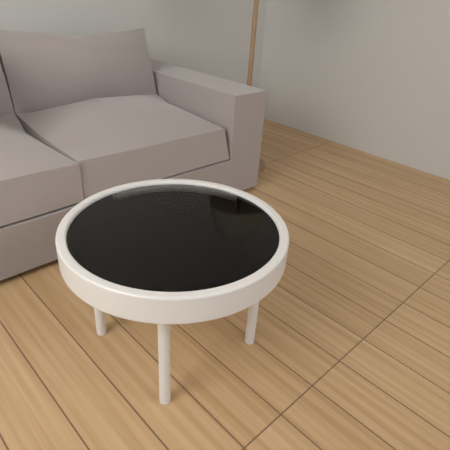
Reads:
5,06
